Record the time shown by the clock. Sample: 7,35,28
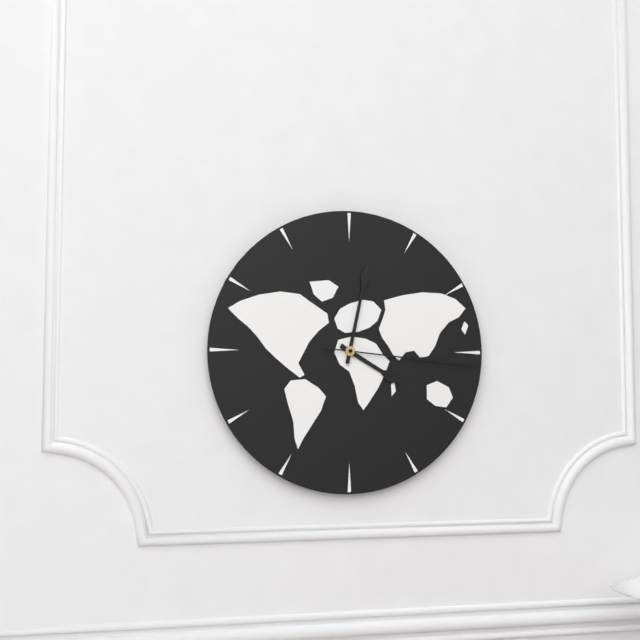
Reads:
4,02,16
